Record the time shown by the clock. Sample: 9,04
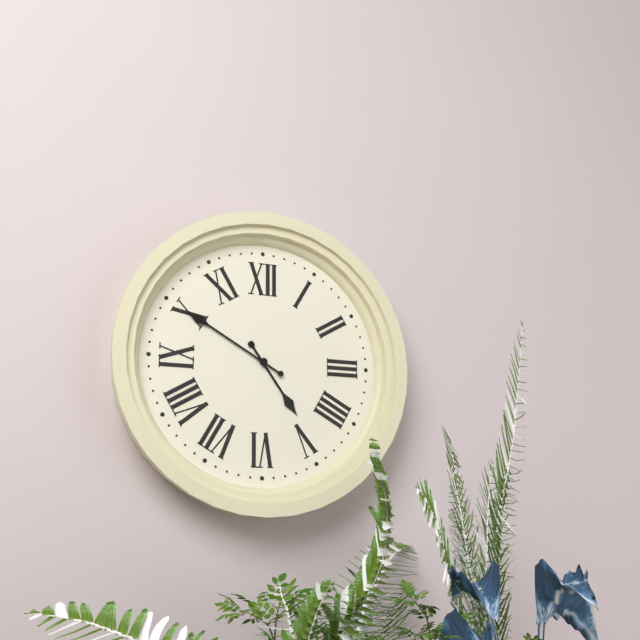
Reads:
4,50
